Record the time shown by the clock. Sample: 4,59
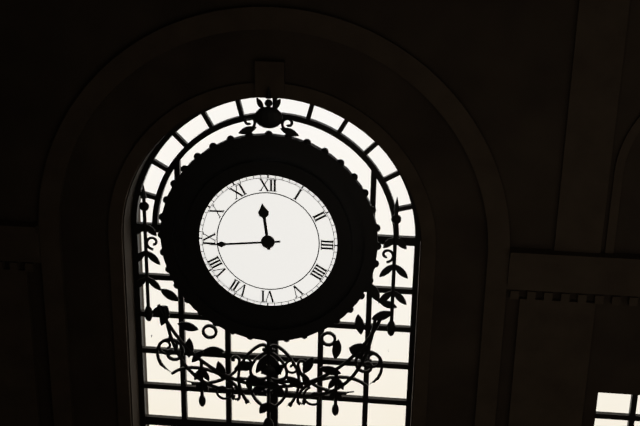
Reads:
11,44
